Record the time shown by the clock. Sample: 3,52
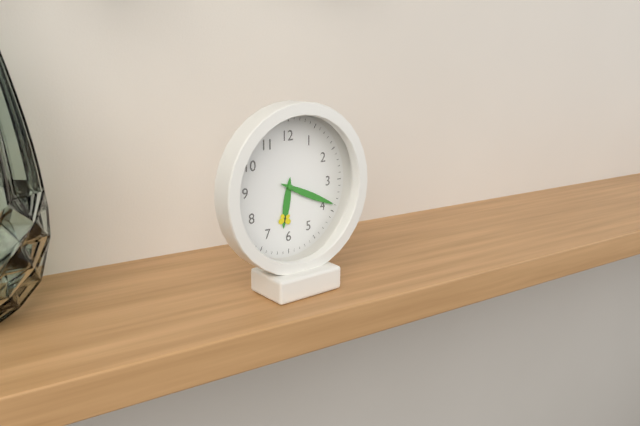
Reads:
6,19
